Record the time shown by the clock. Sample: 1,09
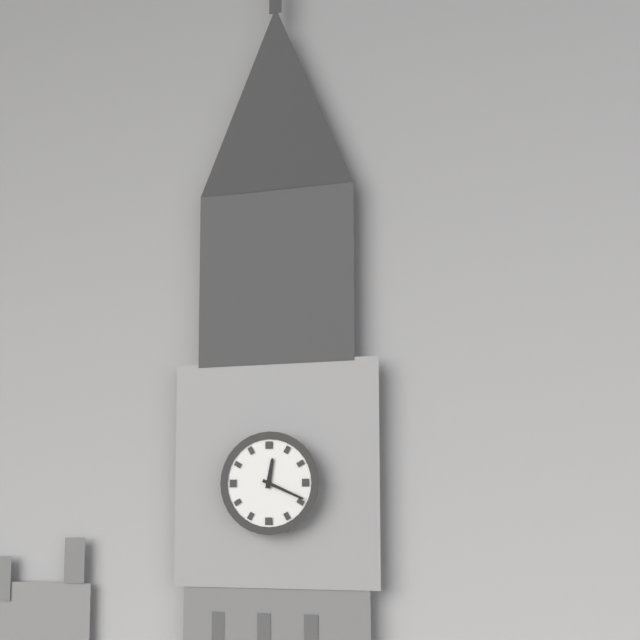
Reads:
12,19
